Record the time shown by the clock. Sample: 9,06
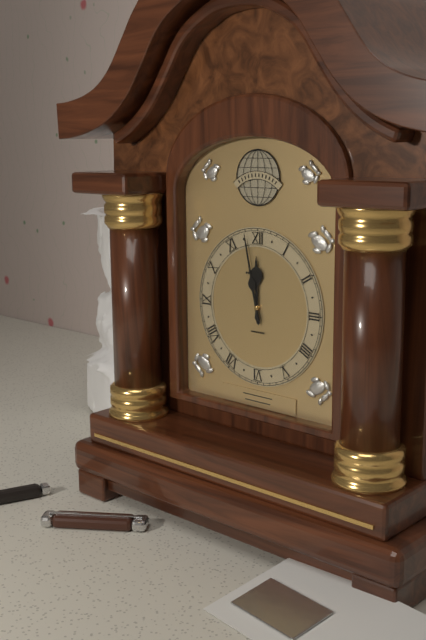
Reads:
11,58
